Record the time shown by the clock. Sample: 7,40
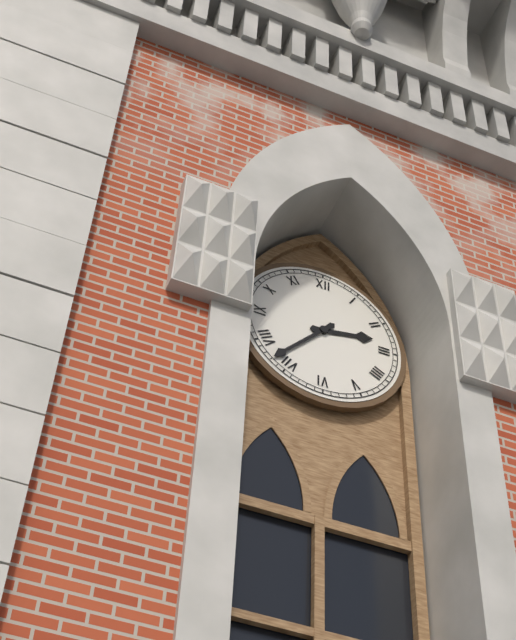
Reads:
2,37
